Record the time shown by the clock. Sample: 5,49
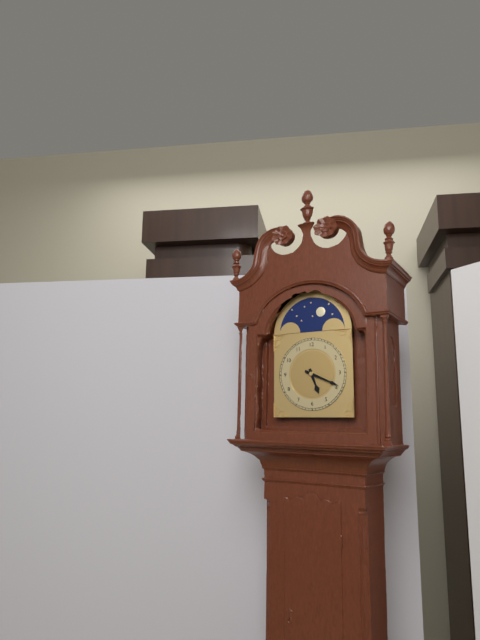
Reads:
5,19
